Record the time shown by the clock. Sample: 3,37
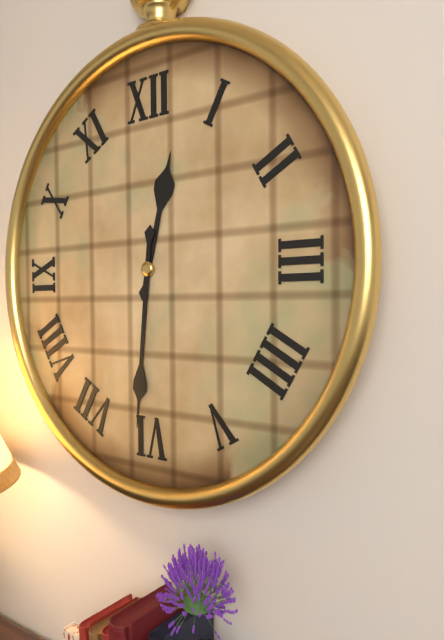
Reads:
12,31
